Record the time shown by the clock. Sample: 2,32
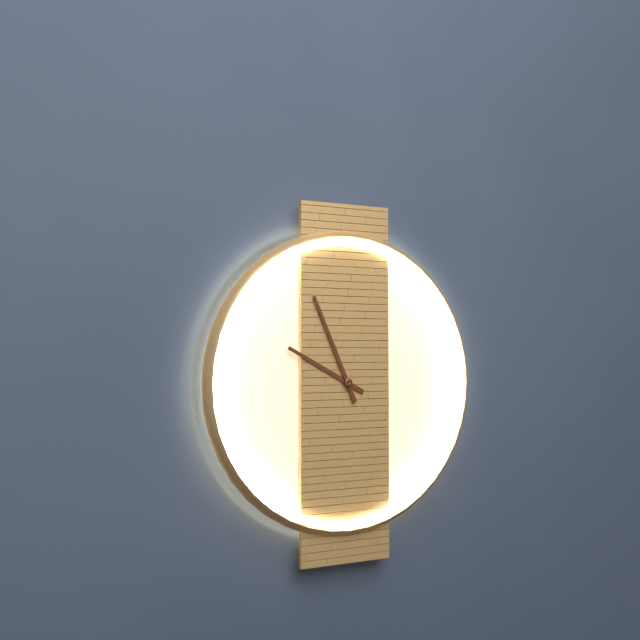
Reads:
9,56
